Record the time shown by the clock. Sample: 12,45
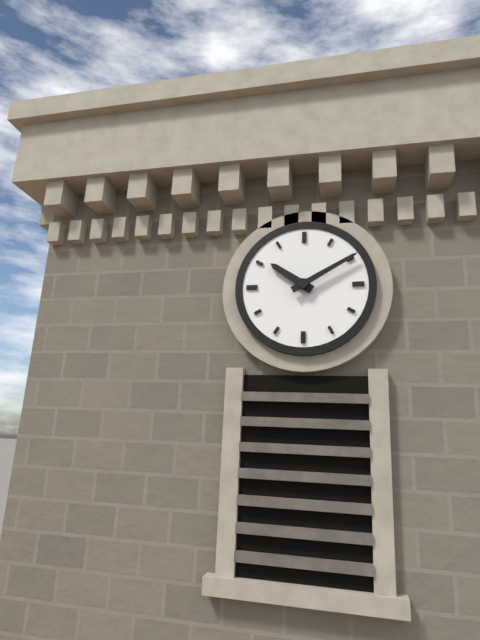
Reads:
10,10
